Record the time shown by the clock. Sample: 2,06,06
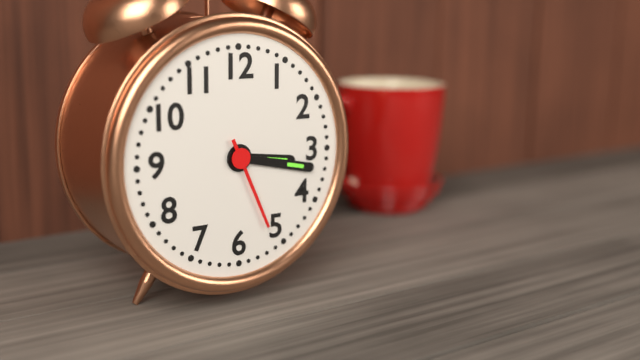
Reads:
3,17,26
